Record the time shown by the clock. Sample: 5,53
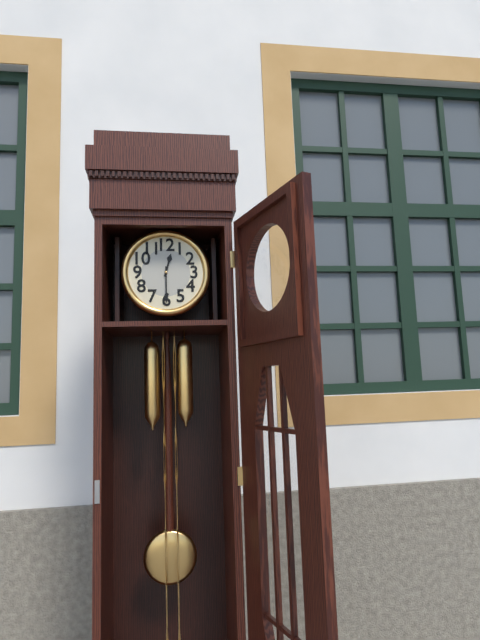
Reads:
12,30
